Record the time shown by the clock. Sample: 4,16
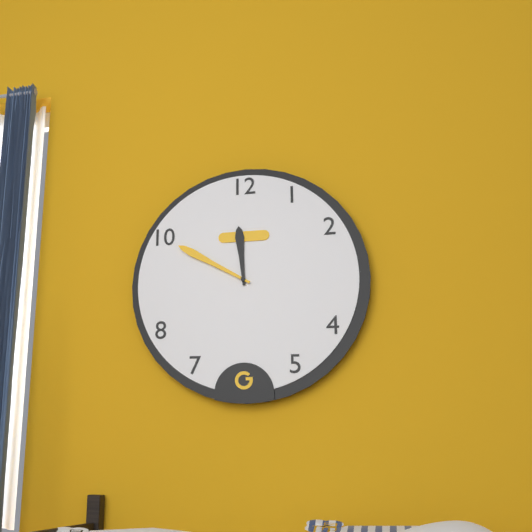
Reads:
11,50
